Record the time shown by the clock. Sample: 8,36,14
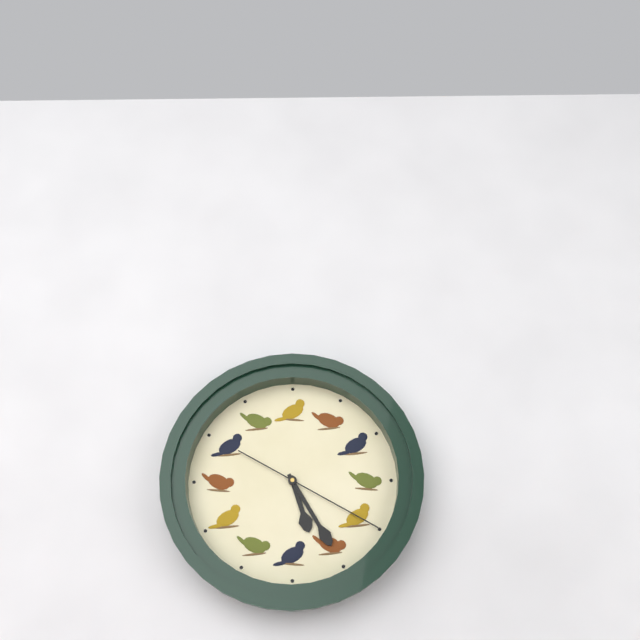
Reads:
5,25,20
